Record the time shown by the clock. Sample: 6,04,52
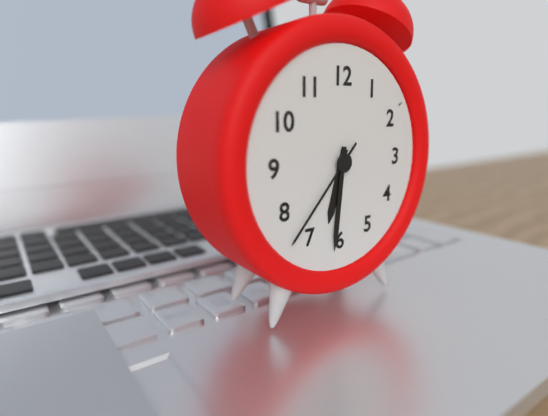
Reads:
6,31,37
